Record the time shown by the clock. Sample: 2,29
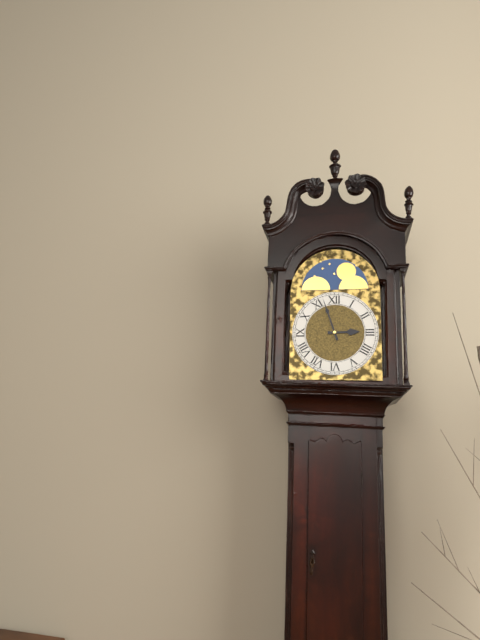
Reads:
2,57
